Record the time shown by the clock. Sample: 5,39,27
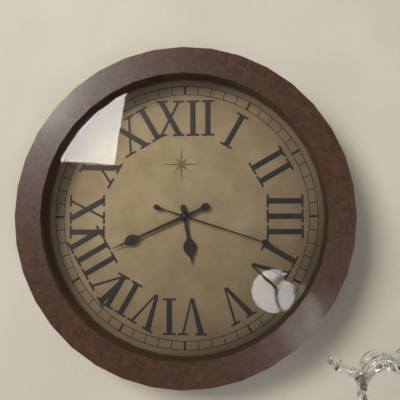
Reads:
5,41,18
